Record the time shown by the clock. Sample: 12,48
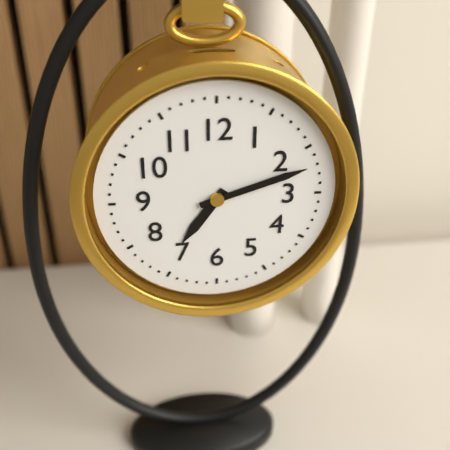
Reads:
7,12
